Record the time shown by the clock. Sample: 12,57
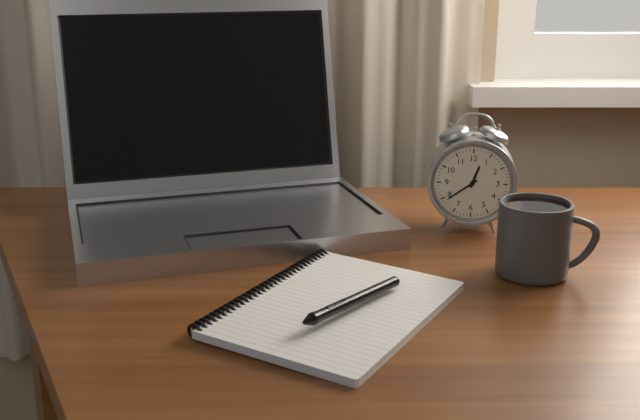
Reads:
12,39
